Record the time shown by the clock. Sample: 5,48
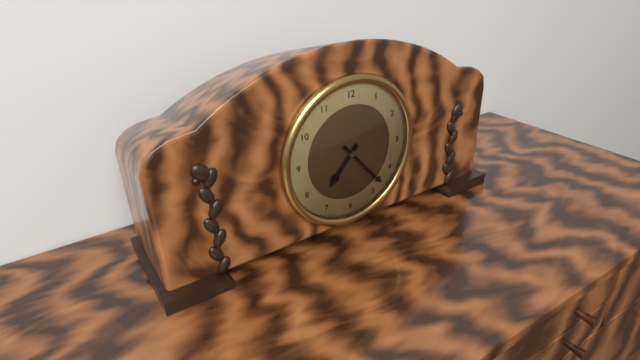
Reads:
7,23
